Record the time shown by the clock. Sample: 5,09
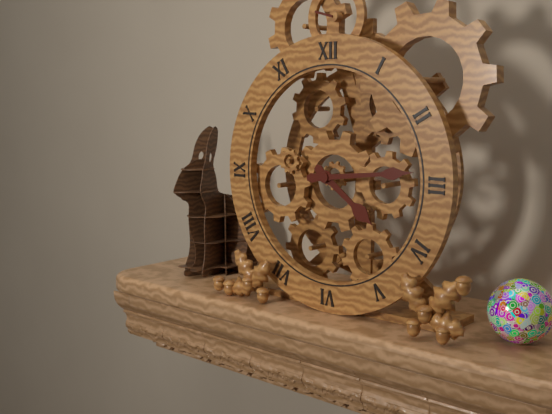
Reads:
4,14
